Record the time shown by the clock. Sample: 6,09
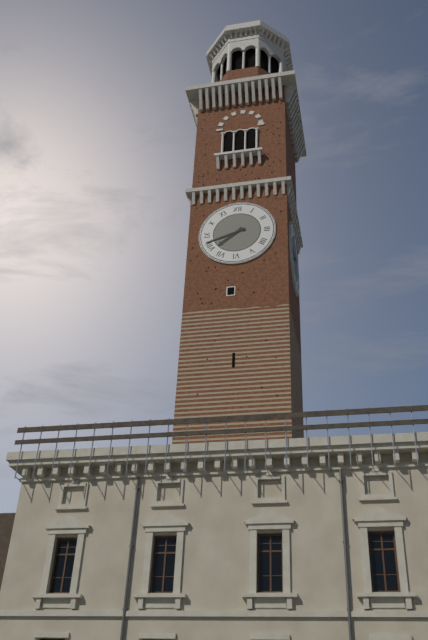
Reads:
7,42
